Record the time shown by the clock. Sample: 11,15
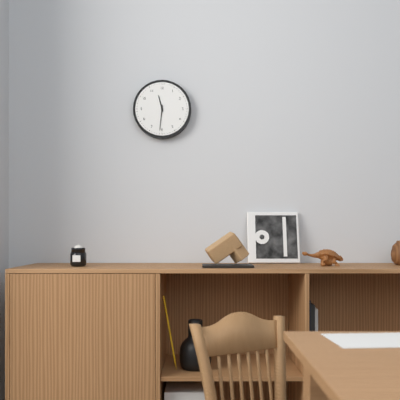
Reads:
11,31
